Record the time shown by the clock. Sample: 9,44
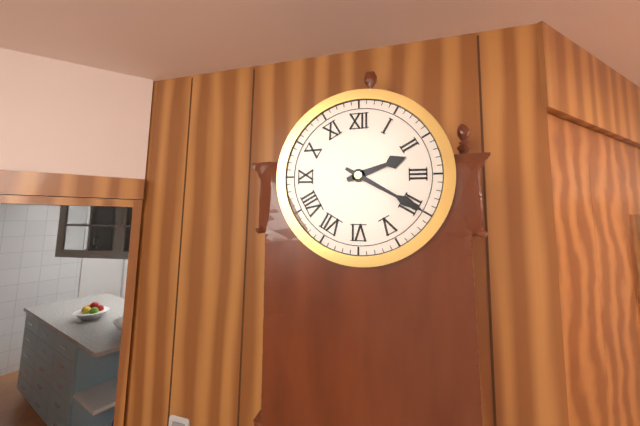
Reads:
2,20
